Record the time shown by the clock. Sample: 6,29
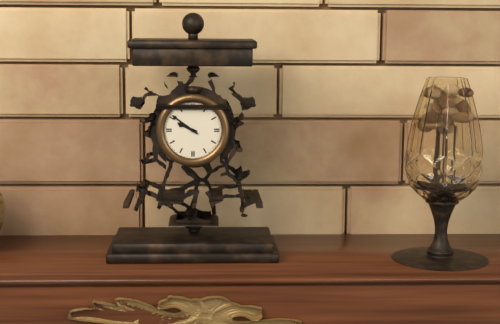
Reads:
9,51
